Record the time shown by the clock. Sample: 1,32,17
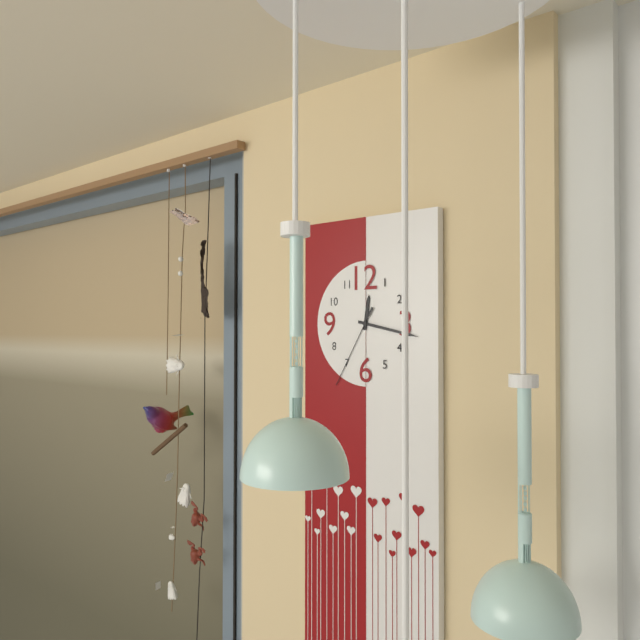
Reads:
12,17,35
